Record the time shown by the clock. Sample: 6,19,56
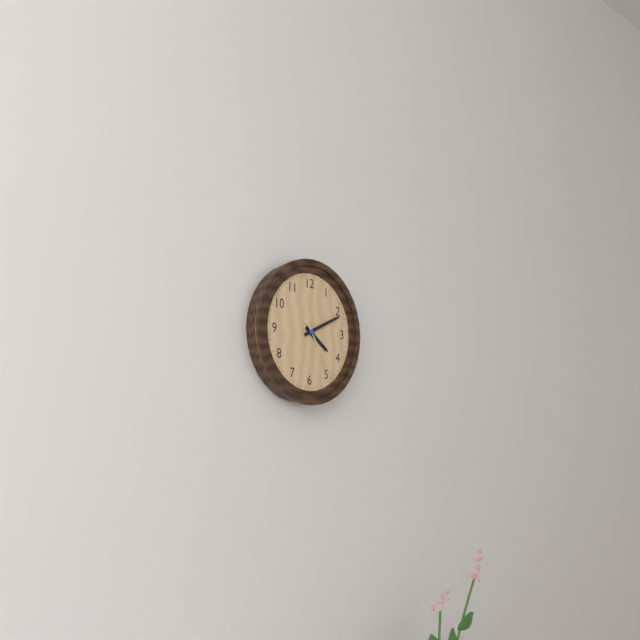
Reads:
4,11,24
